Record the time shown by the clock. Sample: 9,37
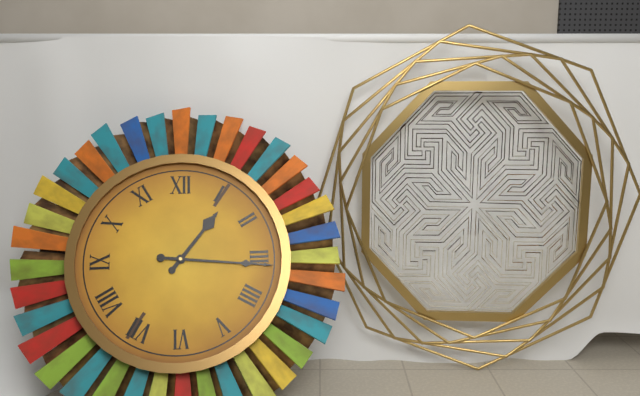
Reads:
1,16
